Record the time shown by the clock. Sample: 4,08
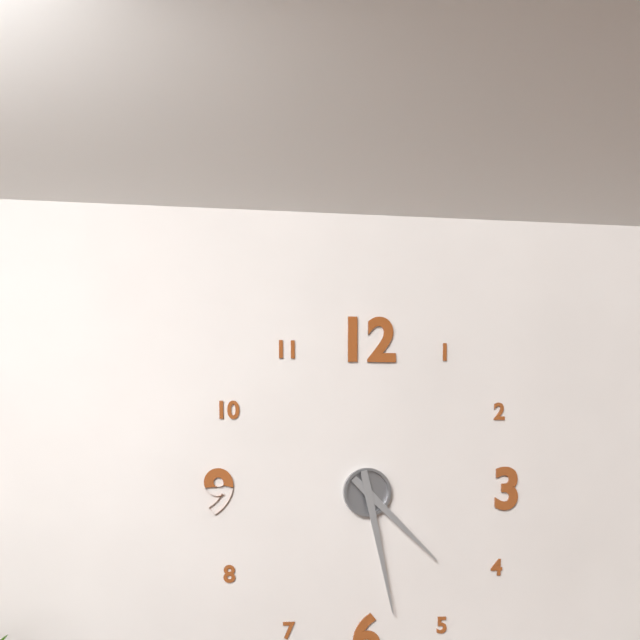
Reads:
4,28
